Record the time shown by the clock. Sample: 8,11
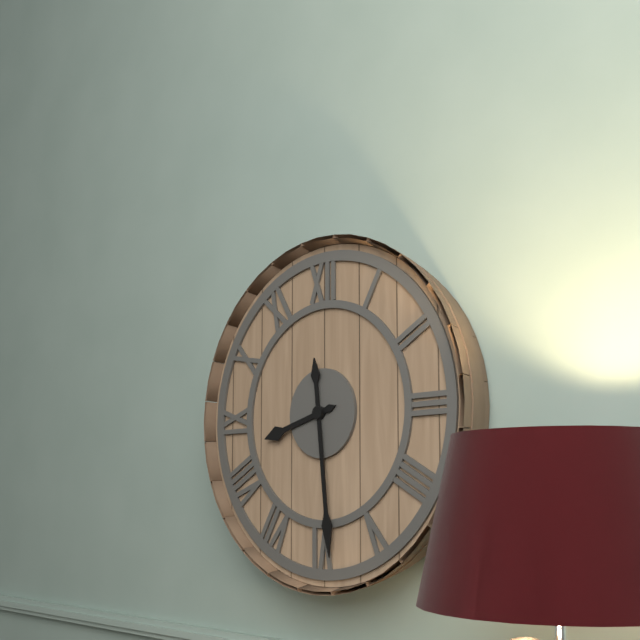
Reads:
8,29
